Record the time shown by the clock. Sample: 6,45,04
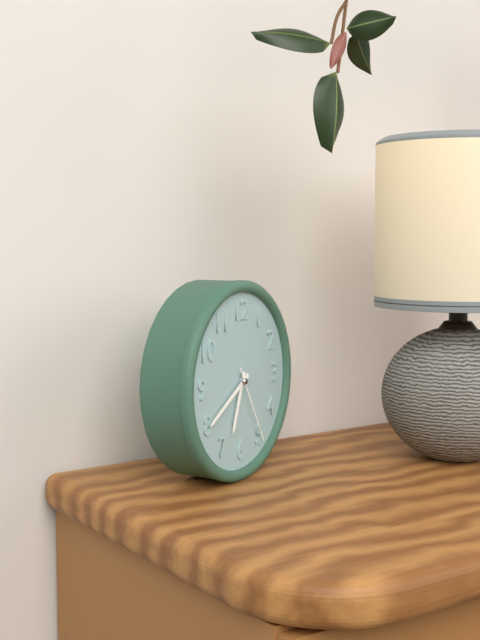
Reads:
6,40,25
